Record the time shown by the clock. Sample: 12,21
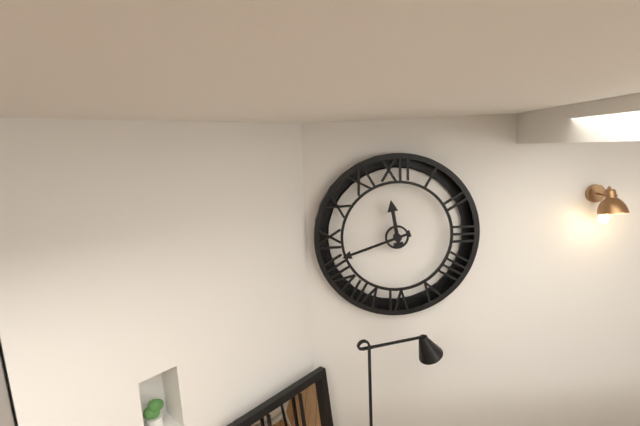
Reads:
11,42
